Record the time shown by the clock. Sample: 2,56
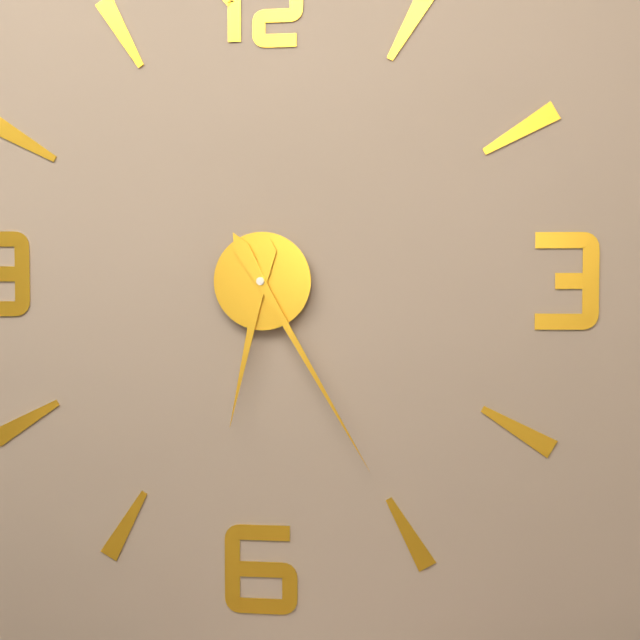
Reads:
6,25
